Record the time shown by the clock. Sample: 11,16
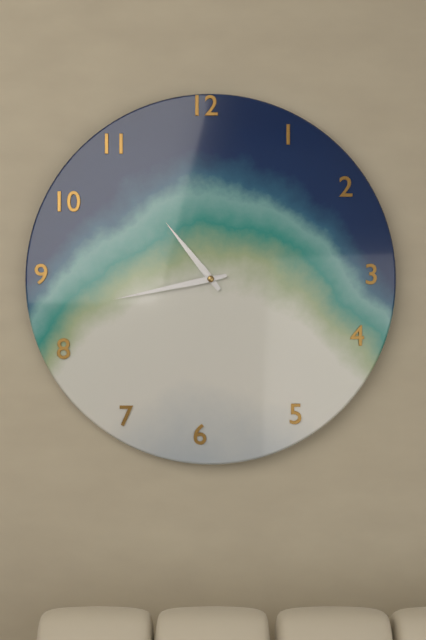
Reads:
10,43
